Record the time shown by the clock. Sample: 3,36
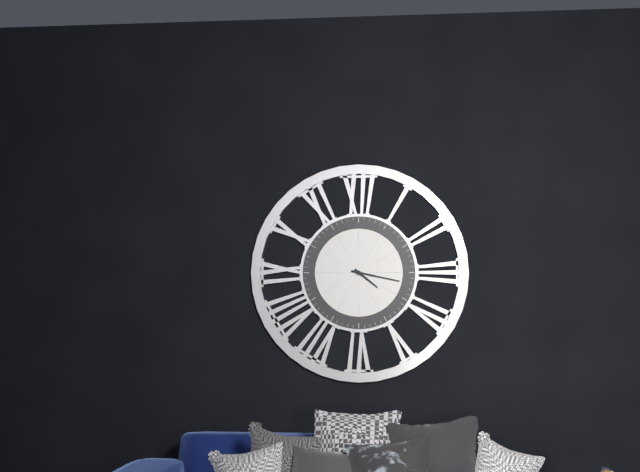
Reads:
4,17
